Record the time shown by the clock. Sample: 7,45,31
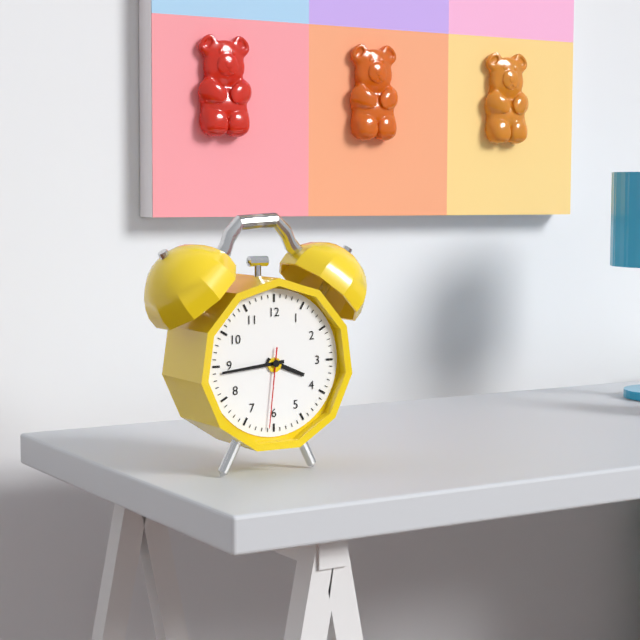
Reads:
3,44,31
